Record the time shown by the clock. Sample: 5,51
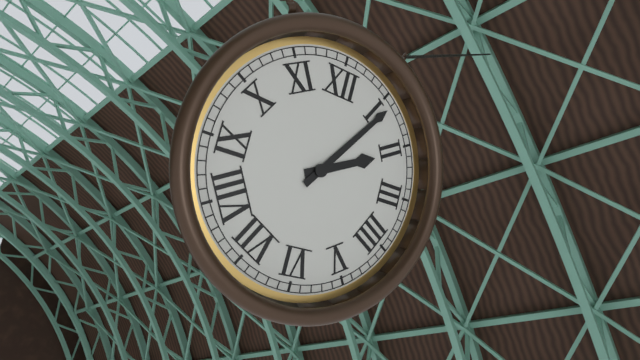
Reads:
2,06
